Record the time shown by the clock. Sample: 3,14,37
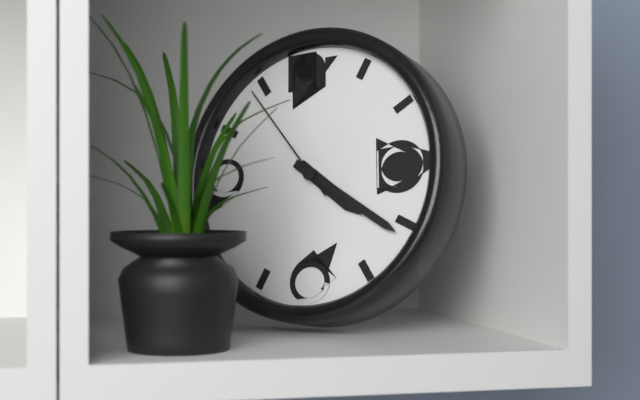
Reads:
4,21,54
